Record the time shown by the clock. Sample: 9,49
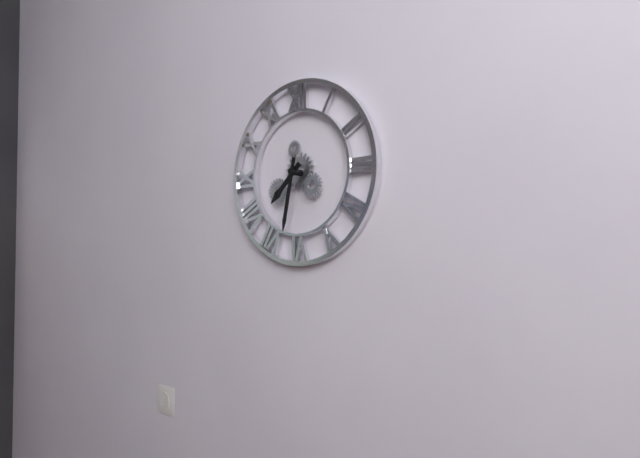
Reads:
7,32
